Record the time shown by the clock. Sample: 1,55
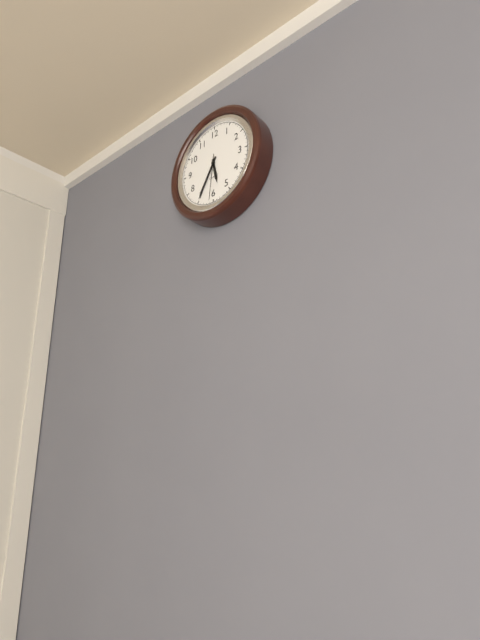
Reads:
5,35
